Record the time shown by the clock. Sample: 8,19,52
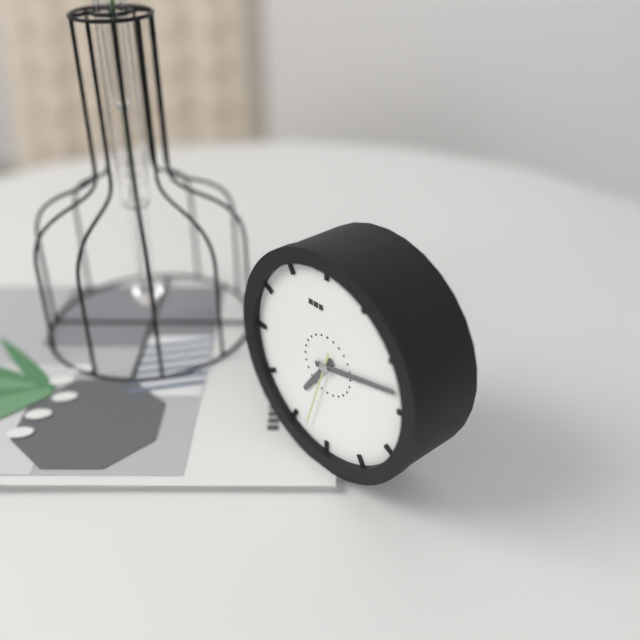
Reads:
7,13,33
